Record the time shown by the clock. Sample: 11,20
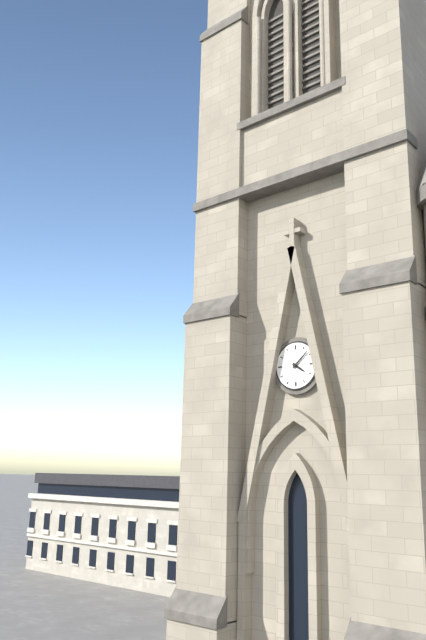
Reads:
4,08
